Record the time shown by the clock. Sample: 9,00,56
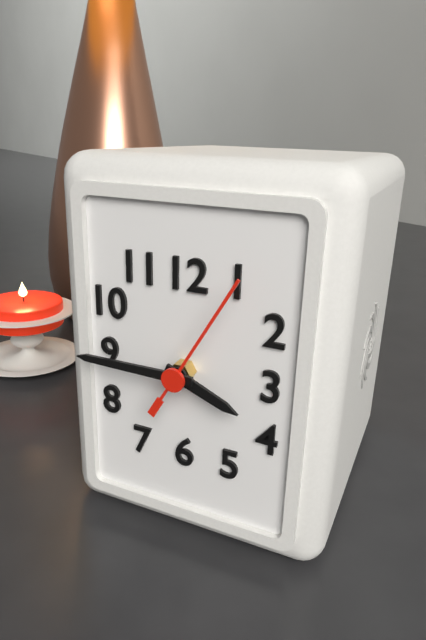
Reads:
3,45,05
